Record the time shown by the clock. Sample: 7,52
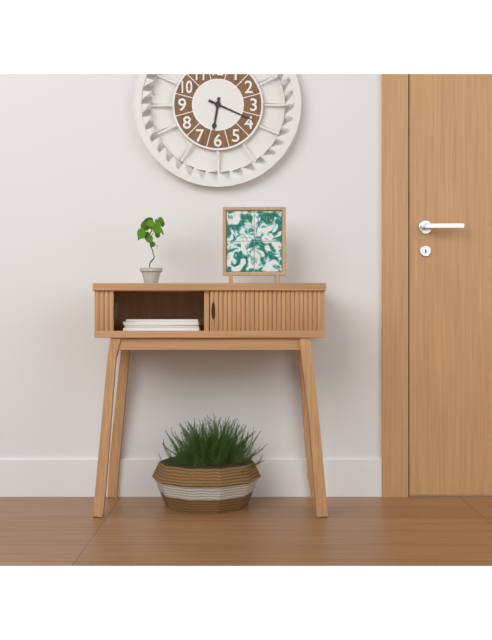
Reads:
6,19
